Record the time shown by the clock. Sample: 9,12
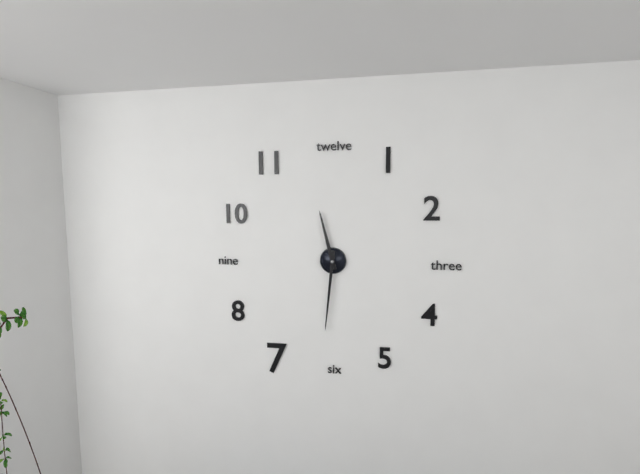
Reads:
11,31
